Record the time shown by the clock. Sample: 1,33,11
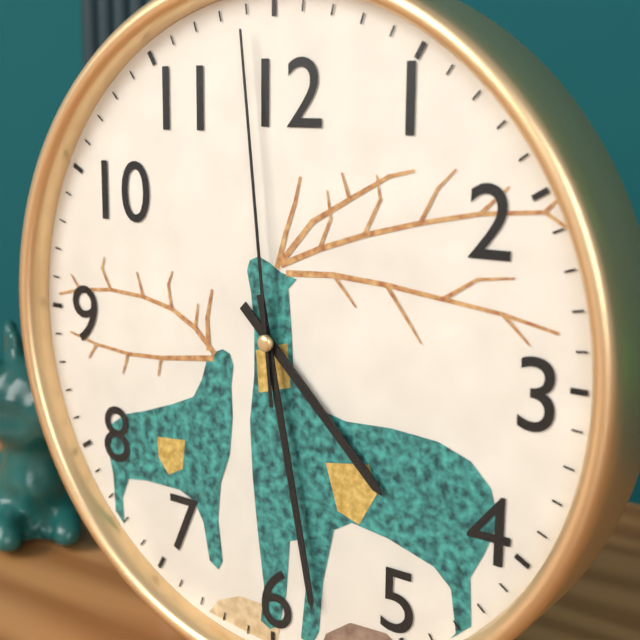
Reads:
4,28,59
